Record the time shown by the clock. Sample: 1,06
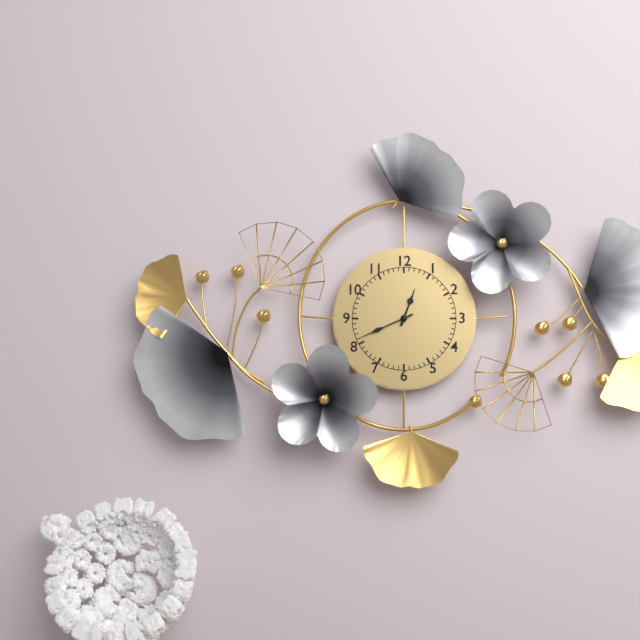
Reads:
12,41
